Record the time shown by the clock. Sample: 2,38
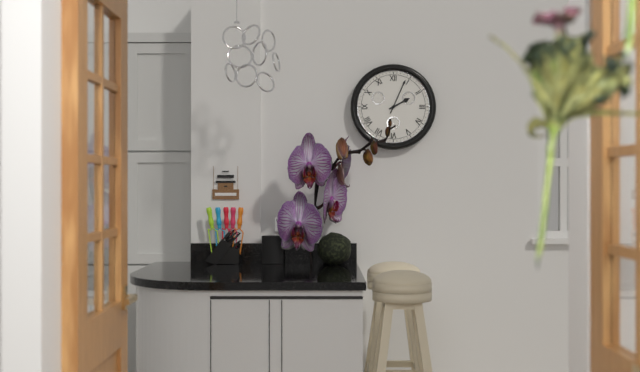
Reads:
2,04
